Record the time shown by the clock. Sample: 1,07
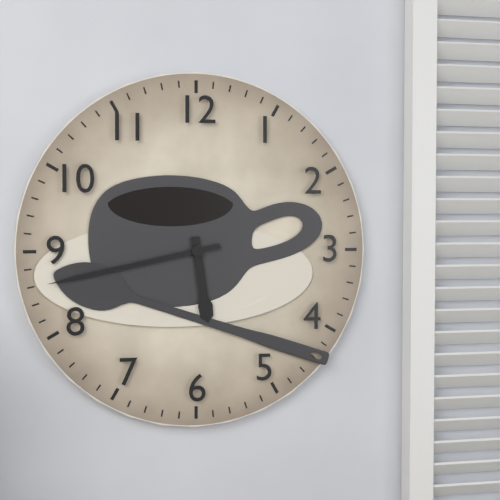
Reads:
5,43
